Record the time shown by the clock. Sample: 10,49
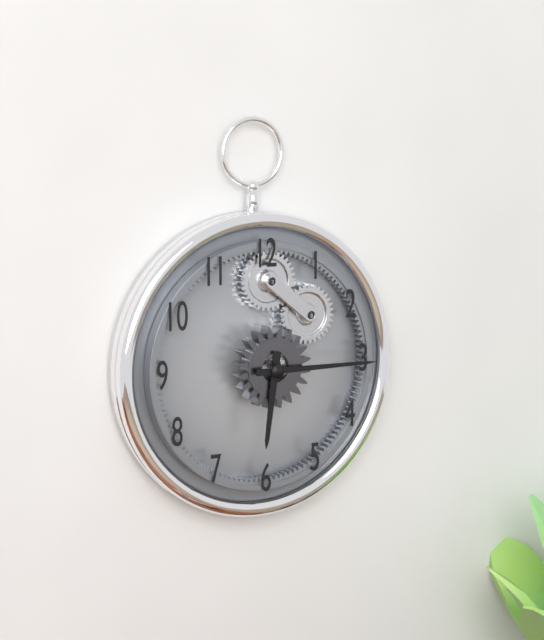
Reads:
6,15
